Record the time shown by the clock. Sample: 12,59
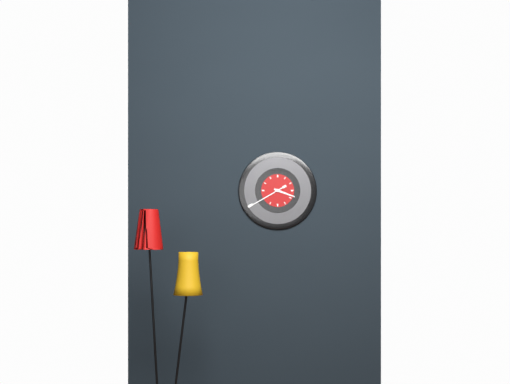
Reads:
3,40
